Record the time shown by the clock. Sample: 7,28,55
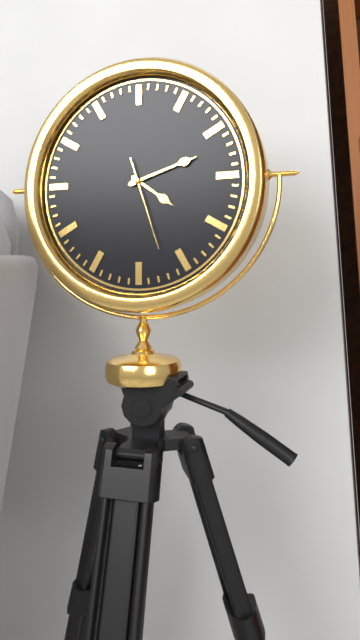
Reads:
4,12,27
